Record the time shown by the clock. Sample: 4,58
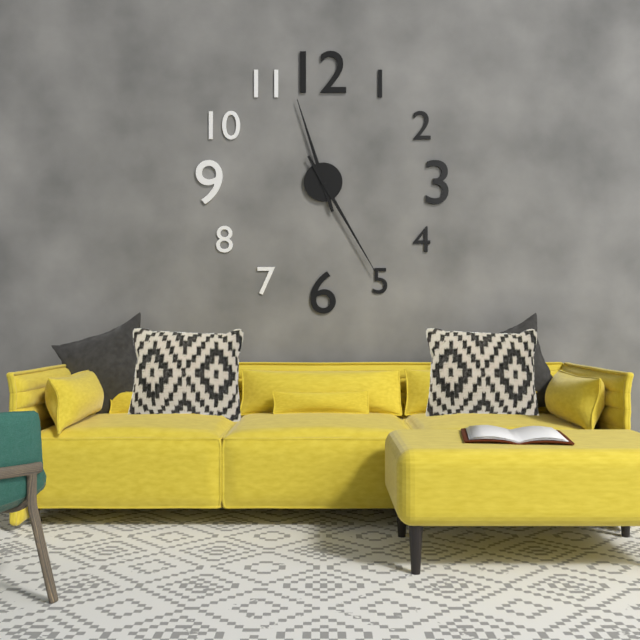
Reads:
11,25
